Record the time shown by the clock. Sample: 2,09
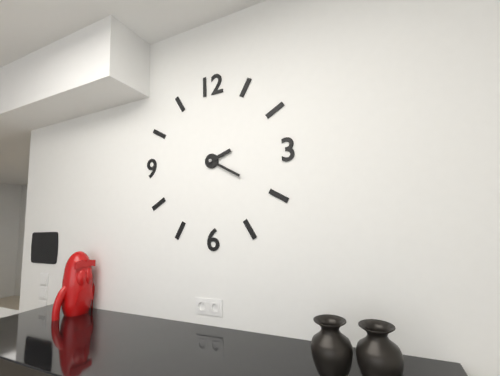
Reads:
2,20
